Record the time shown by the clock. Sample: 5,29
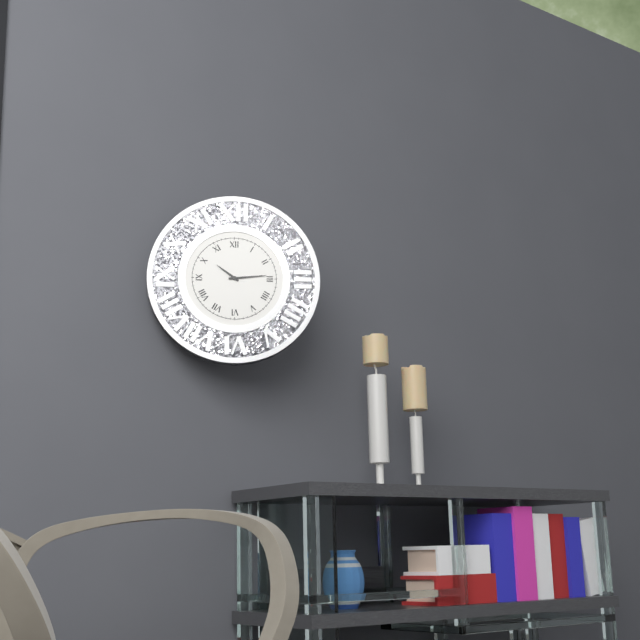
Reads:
10,14
